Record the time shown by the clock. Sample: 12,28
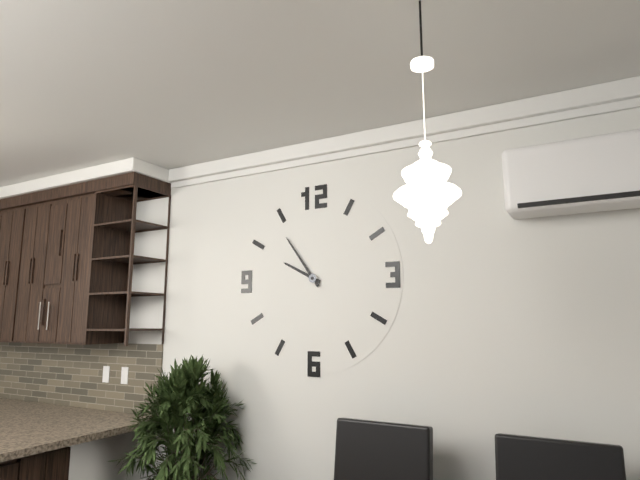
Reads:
9,54
